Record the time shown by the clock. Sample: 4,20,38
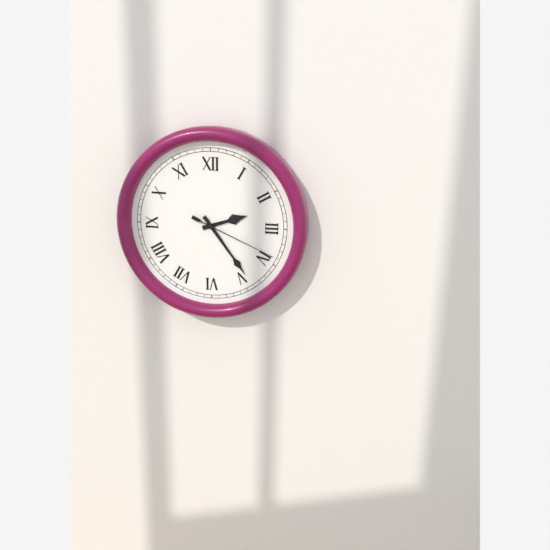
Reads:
2,24,19
